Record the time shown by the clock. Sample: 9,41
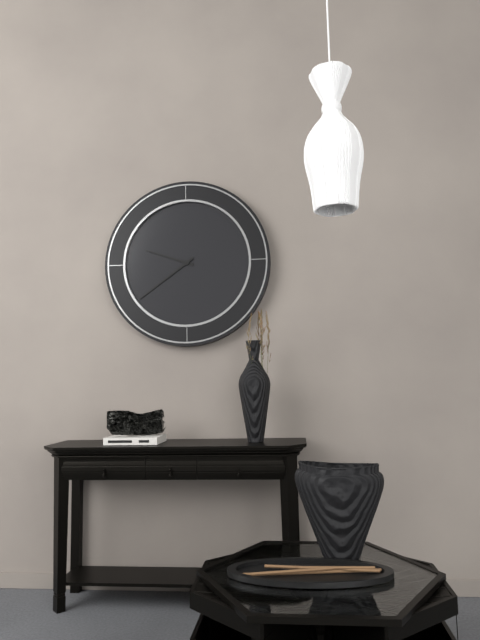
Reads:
9,39
